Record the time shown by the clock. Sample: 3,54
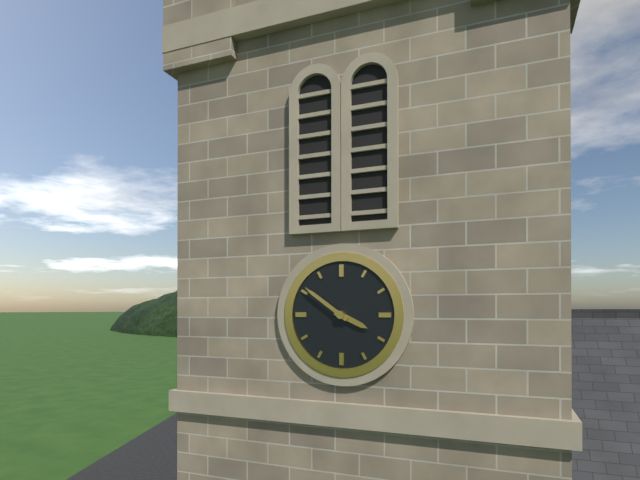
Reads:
3,51
